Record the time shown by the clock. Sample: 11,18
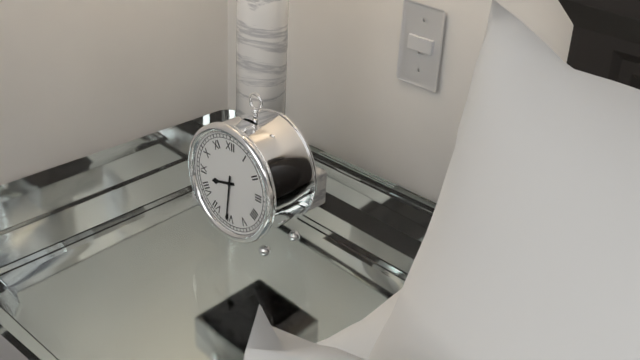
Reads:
8,31
